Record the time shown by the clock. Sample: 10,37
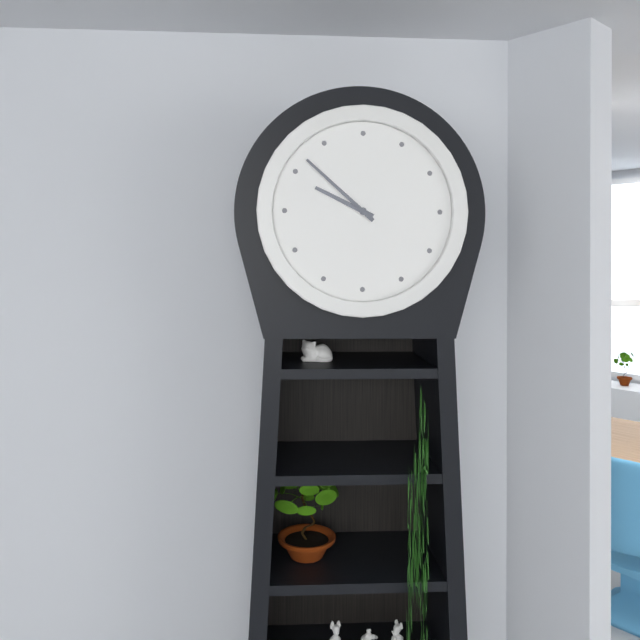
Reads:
9,52
